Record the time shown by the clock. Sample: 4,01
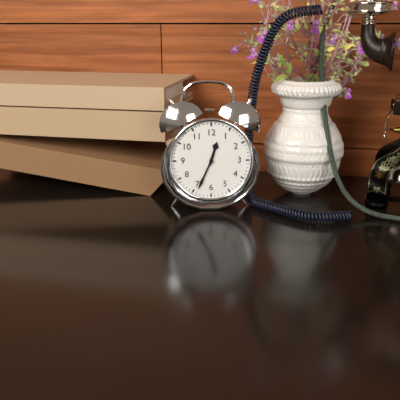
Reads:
12,34
